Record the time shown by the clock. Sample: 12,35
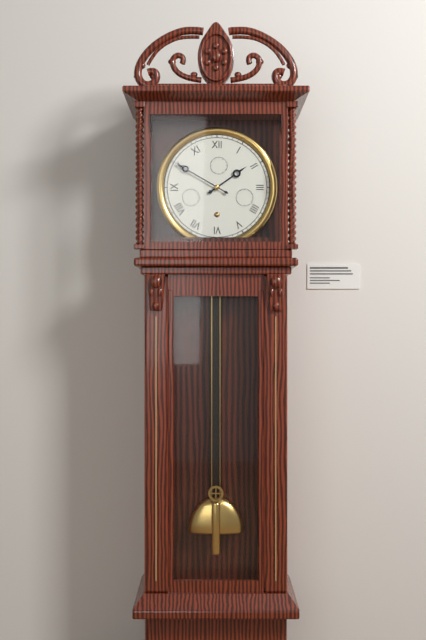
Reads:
1,50
